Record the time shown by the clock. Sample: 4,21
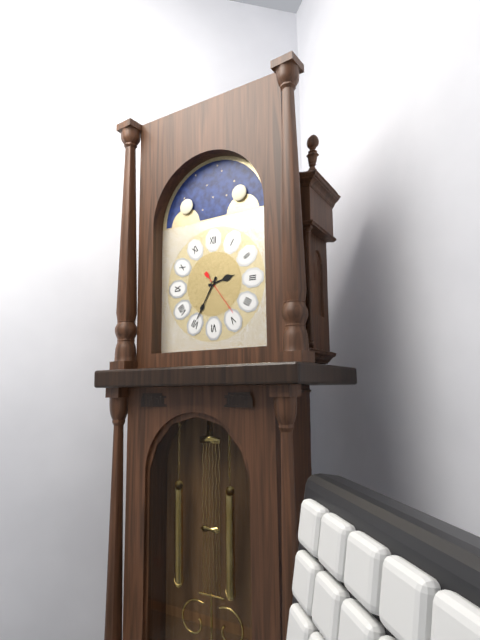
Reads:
2,35
